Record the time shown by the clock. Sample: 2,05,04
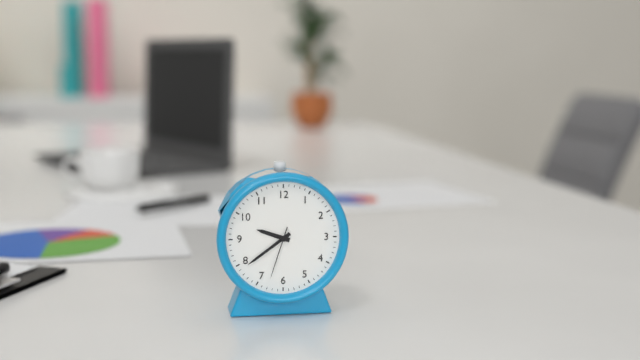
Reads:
9,39,33
